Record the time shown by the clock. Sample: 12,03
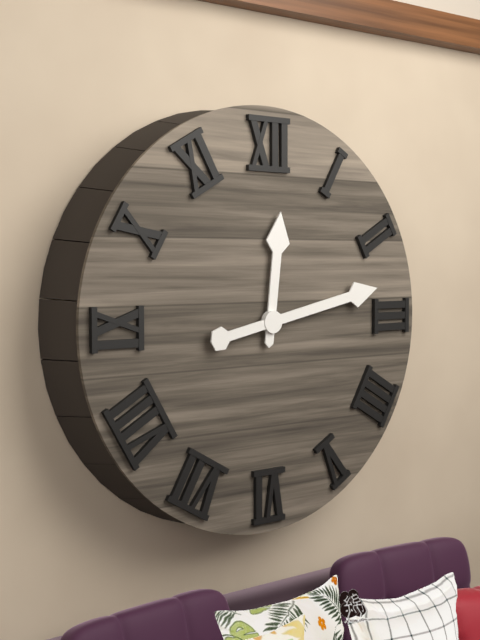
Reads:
12,13
